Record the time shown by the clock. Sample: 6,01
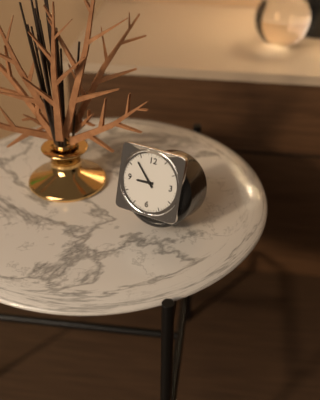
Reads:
8,53
